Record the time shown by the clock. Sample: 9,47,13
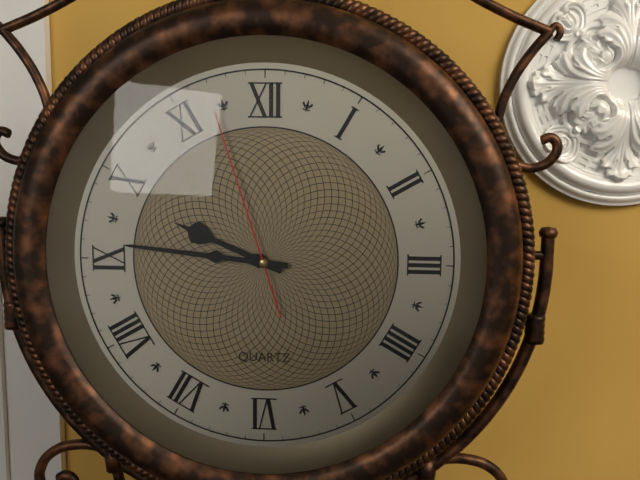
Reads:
9,46,57
